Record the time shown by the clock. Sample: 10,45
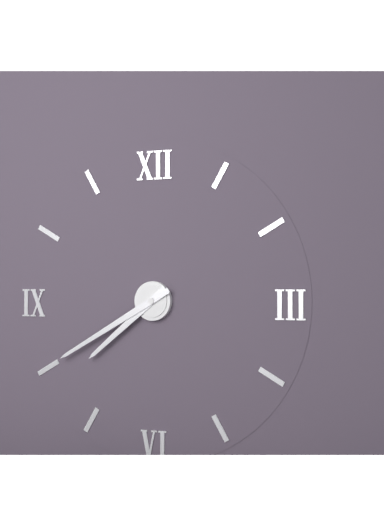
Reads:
7,40
